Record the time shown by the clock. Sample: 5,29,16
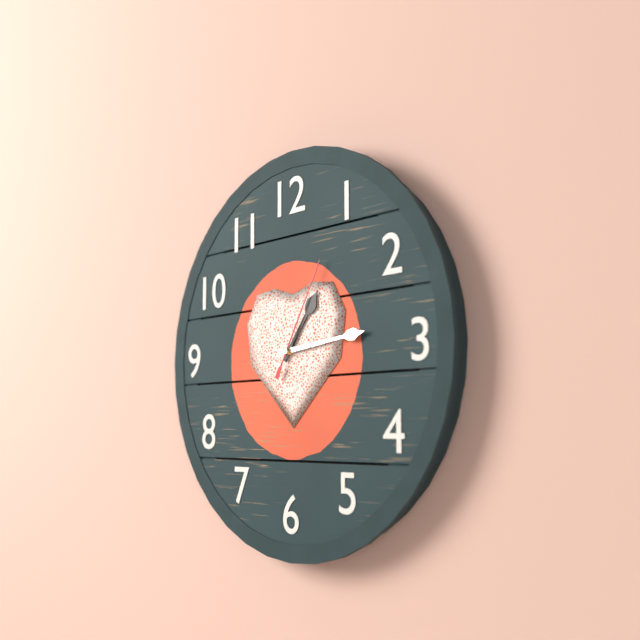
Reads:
1,14,05
